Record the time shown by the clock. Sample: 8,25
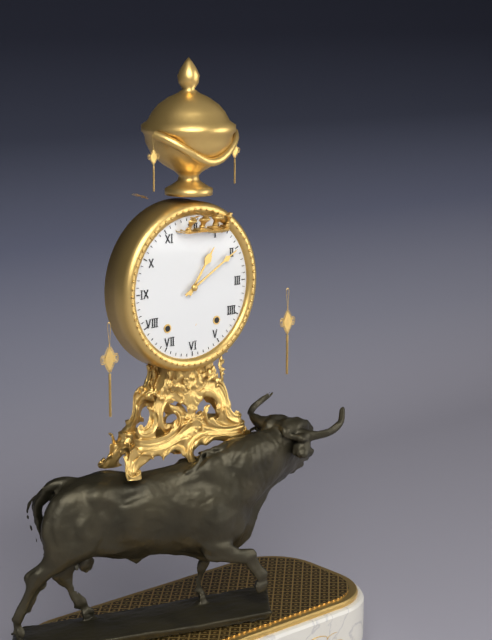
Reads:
1,10
